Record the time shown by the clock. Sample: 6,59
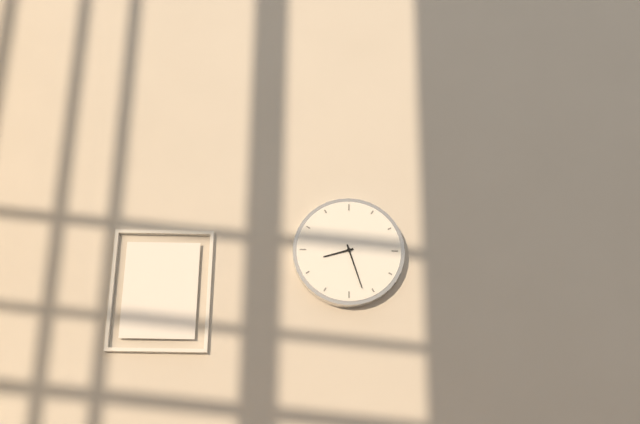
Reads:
8,27
